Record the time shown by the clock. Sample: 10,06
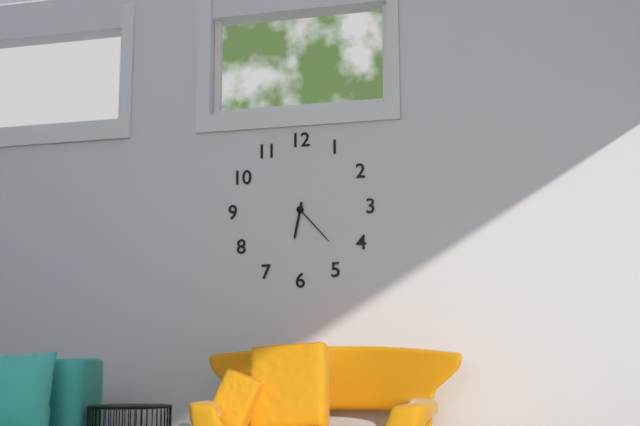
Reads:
6,23
